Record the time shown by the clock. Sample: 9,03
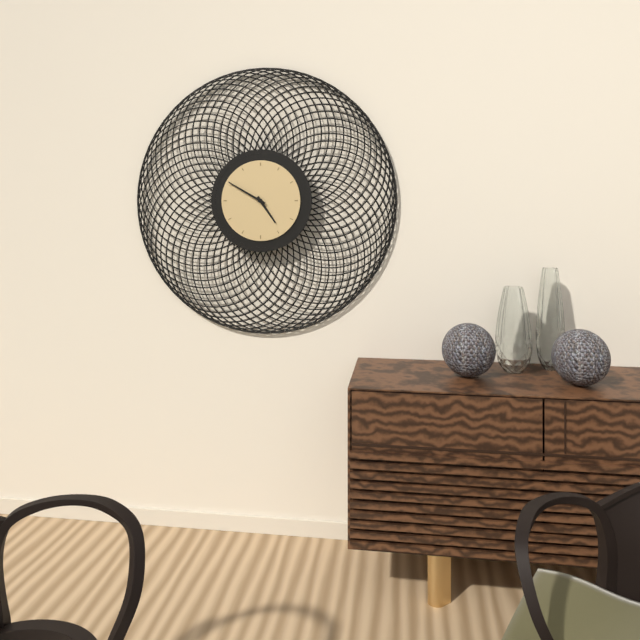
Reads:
4,50
